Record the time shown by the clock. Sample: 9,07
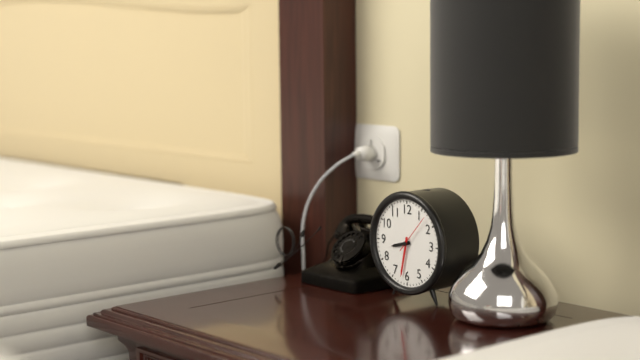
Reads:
8,32
